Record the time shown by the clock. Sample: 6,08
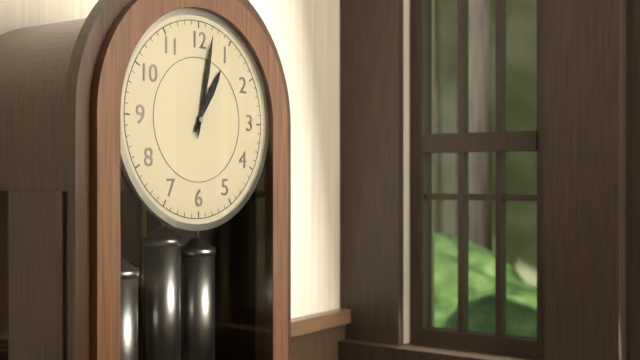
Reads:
1,02
